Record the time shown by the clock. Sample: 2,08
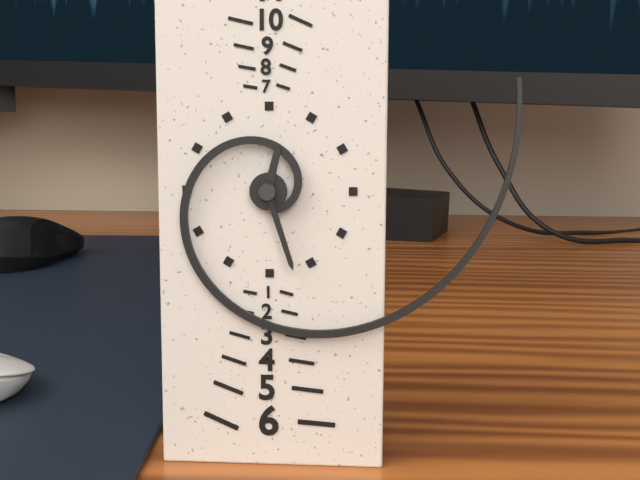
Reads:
12,27
